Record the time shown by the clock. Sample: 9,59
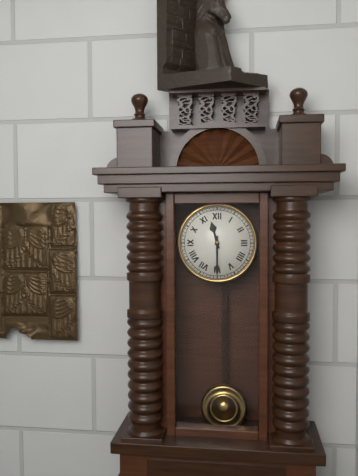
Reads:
11,30
